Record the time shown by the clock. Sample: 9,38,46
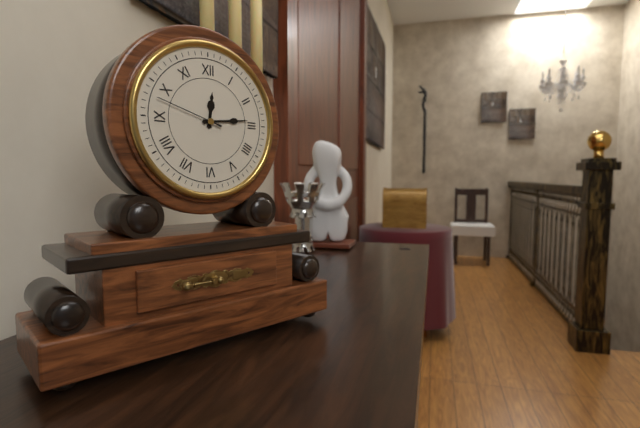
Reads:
12,14,48
